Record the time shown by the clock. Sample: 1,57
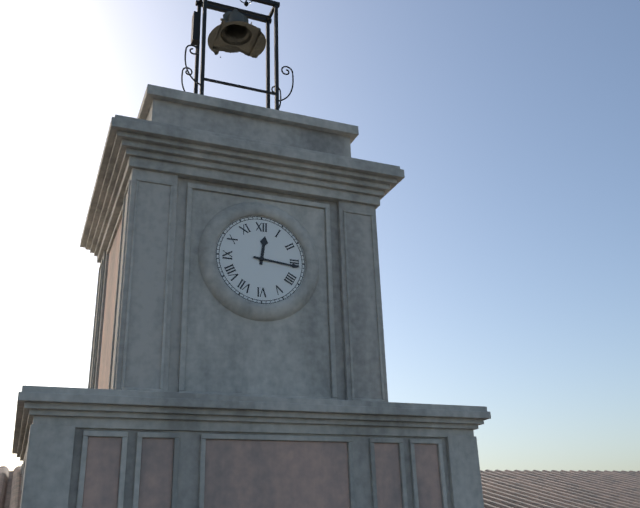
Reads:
12,16
